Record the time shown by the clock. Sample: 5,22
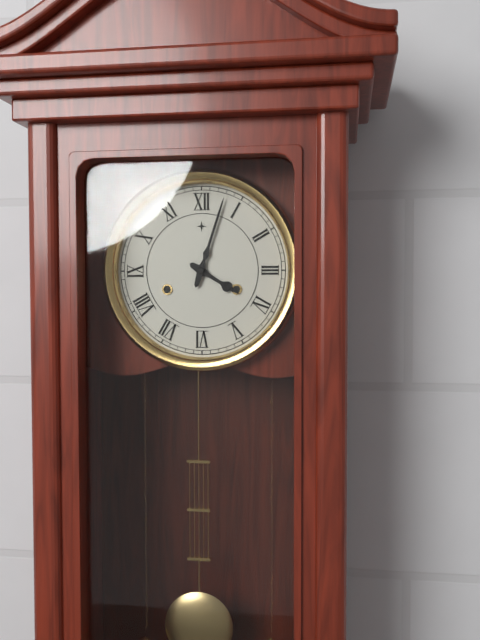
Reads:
4,03
